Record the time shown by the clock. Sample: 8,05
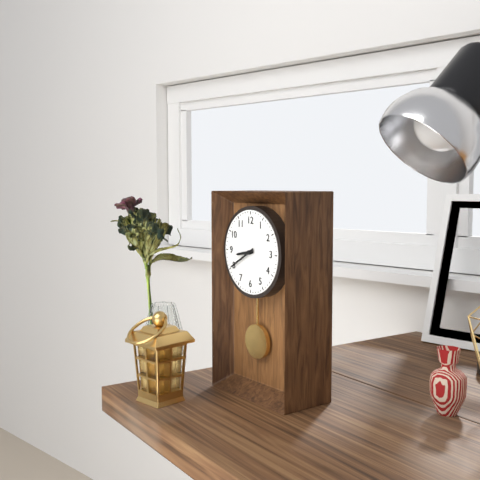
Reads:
8,40
